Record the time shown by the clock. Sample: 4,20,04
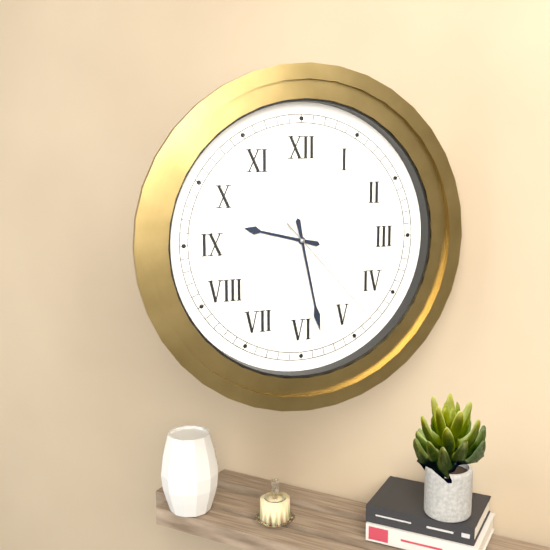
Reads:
9,28,23
